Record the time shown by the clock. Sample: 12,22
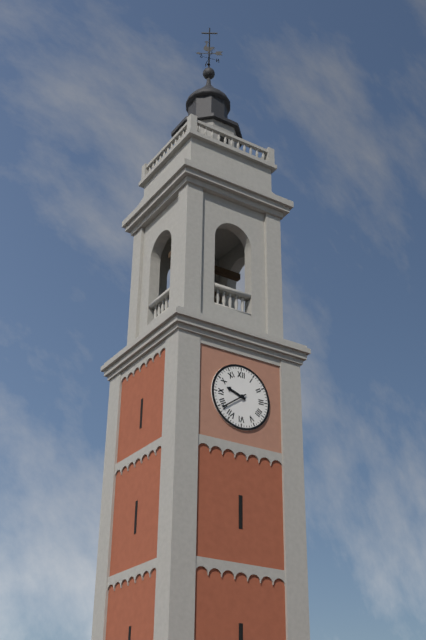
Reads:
9,39
